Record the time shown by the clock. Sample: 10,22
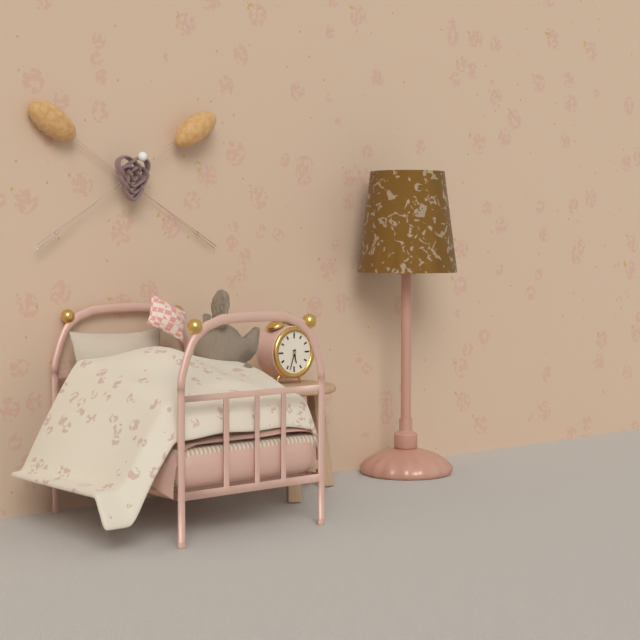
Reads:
5,33
